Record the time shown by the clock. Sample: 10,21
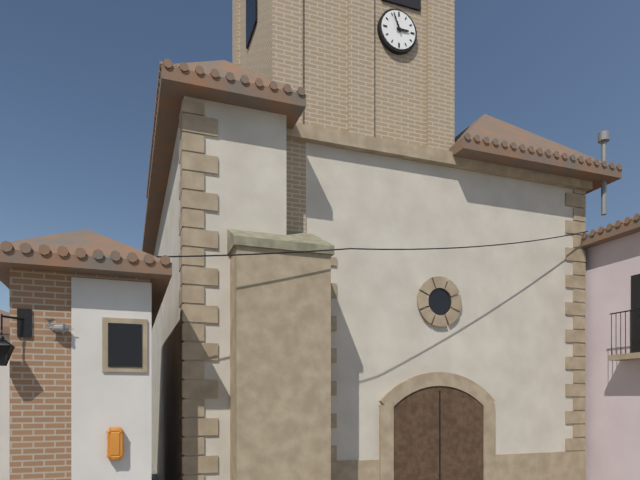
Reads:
2,56
